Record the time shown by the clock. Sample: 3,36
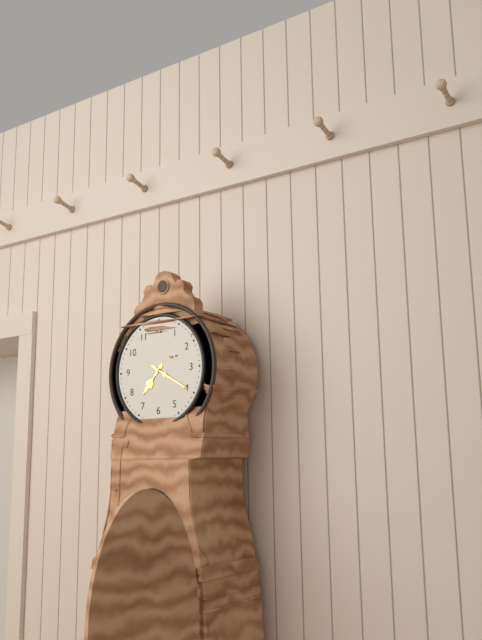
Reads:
7,20
